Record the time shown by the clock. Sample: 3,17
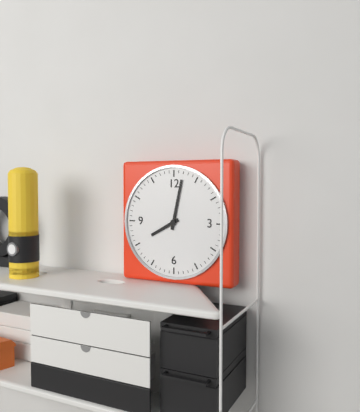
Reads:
8,02
